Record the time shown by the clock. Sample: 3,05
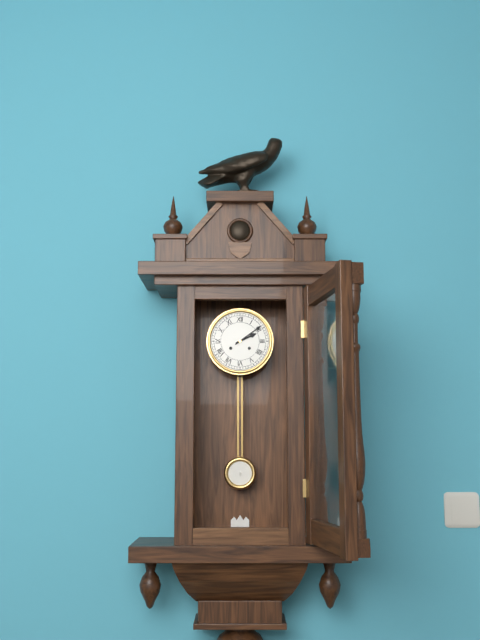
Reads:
2,09
